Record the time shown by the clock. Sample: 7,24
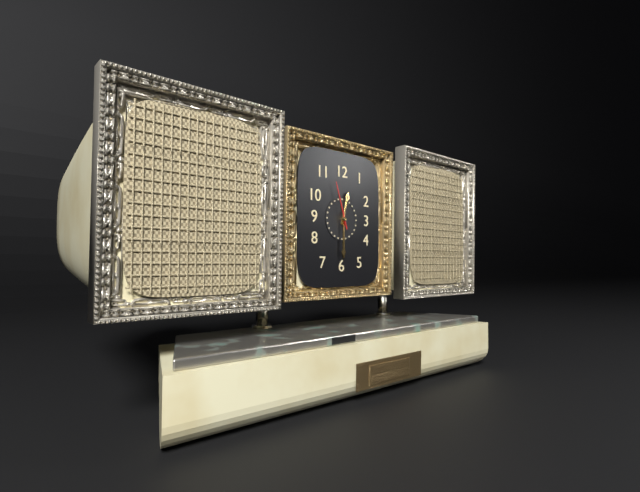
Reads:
12,30
